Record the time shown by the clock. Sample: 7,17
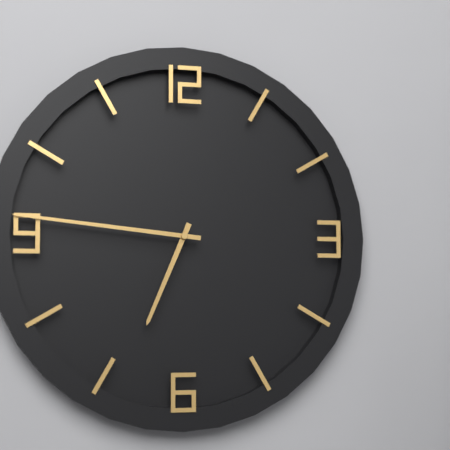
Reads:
6,46
